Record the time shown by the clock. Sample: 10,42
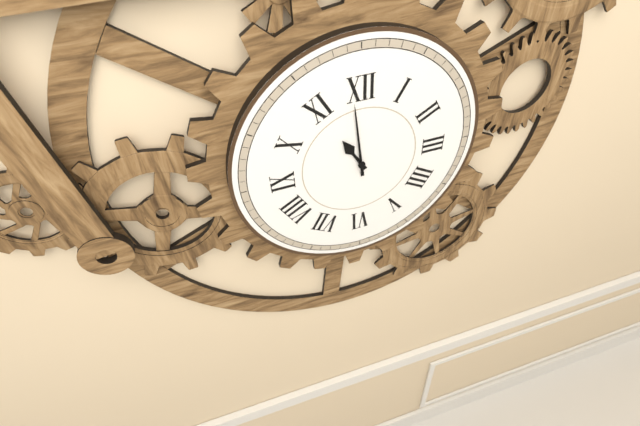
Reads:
10,59
